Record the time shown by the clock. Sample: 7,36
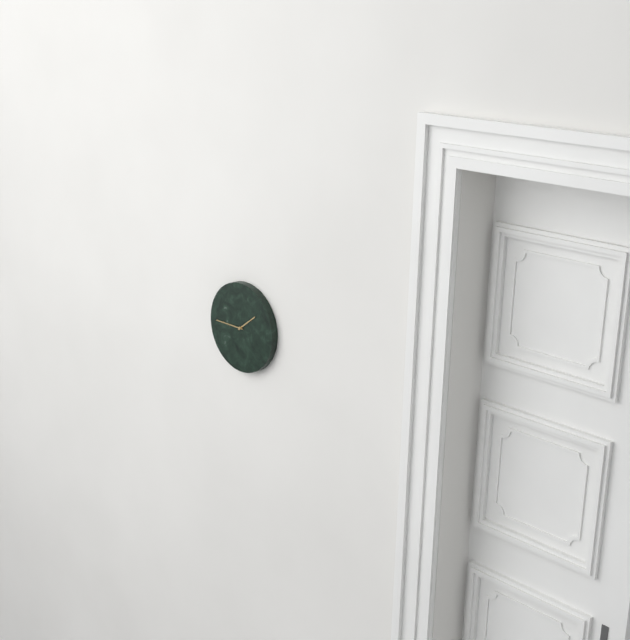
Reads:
1,45
